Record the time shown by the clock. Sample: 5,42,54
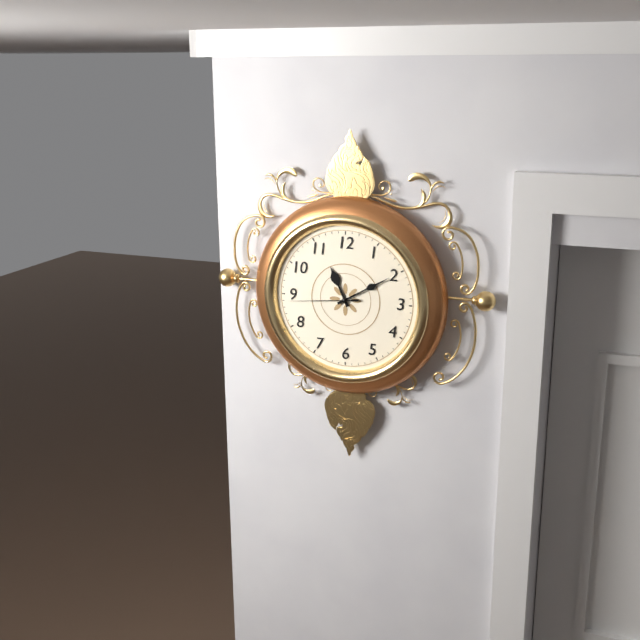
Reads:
11,10,44
